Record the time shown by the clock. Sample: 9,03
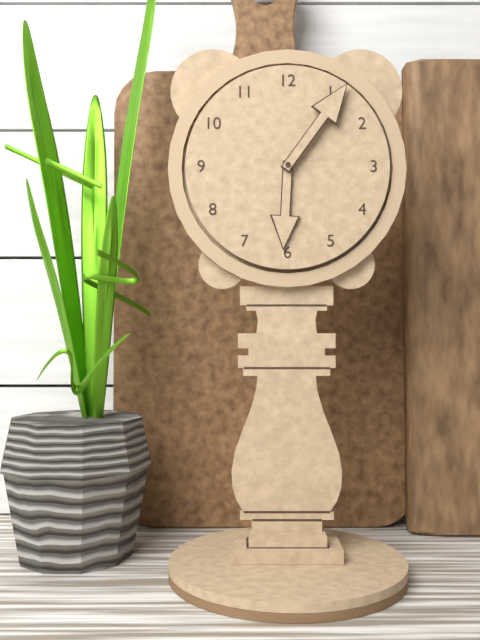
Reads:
6,06
